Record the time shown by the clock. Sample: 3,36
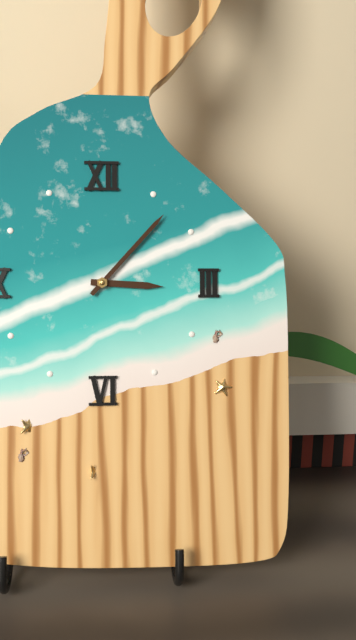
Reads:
3,07
